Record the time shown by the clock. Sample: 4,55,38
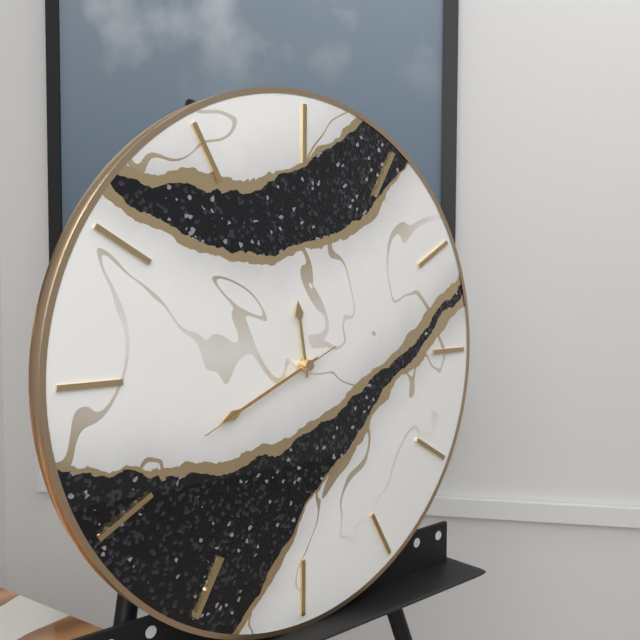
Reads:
11,41,41
